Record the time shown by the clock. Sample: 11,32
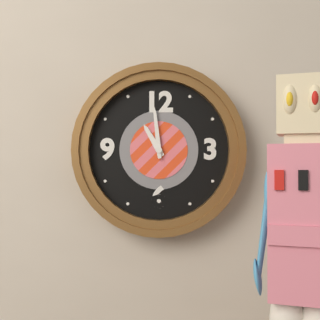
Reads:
10,59
